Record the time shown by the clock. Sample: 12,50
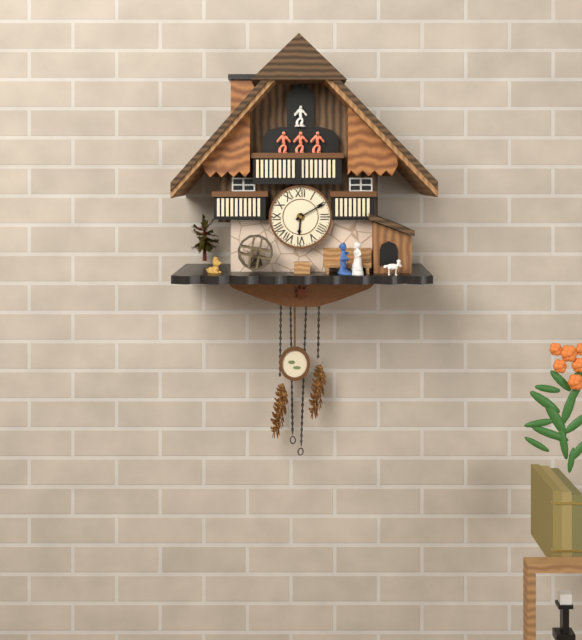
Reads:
6,10
